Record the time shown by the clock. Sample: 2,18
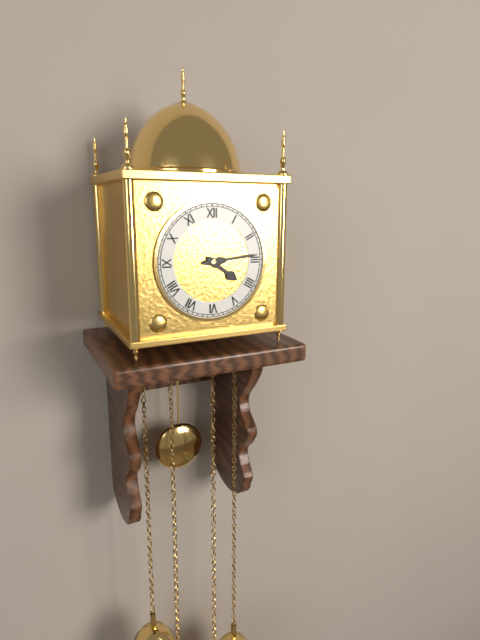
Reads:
4,14
